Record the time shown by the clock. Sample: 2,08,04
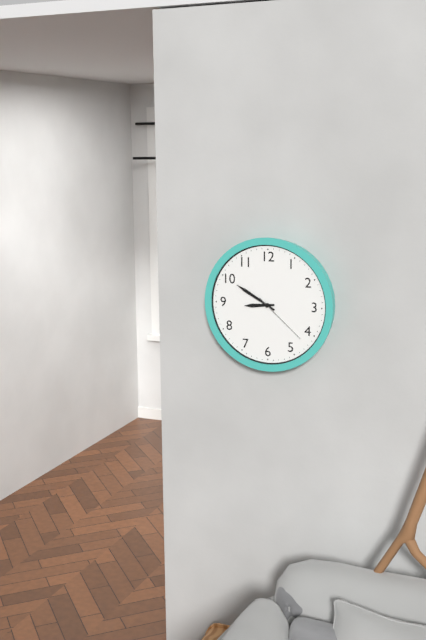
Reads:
8,50,22
